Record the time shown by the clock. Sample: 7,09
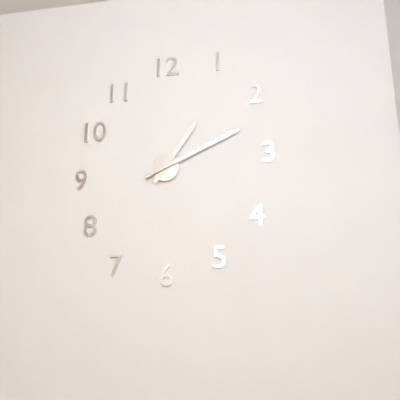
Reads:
1,11
